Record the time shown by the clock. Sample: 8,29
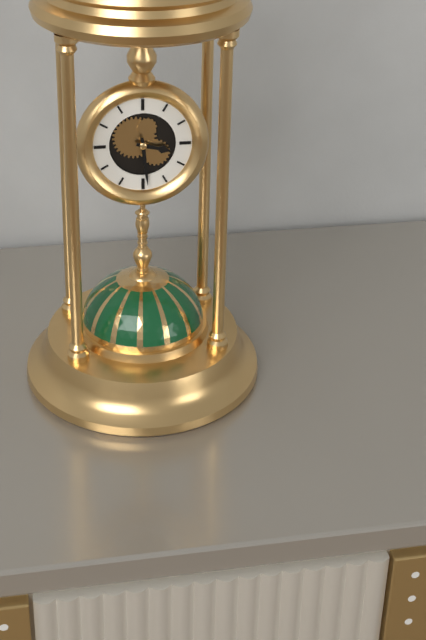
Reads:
3,29
